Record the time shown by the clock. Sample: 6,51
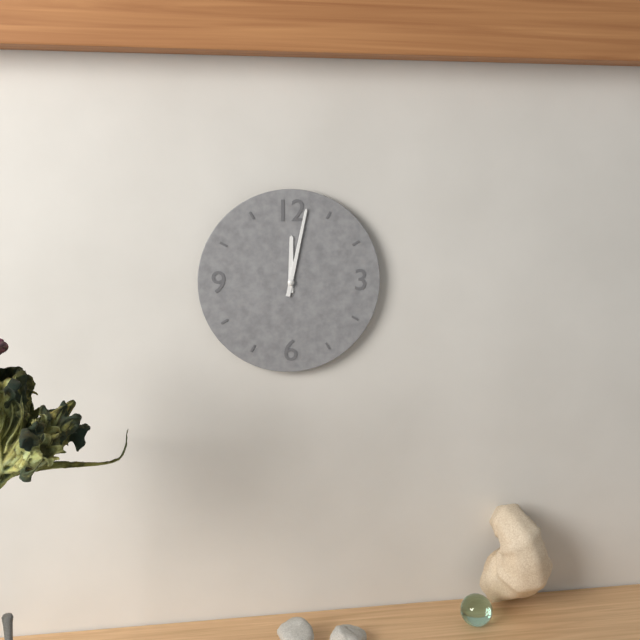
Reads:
12,02
